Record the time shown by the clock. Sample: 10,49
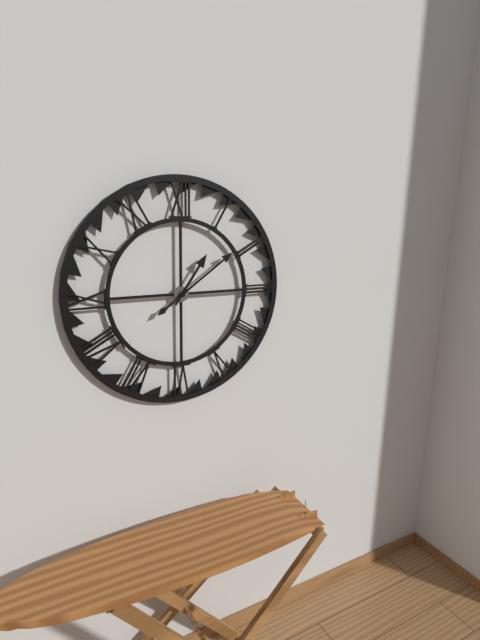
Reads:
1,09
